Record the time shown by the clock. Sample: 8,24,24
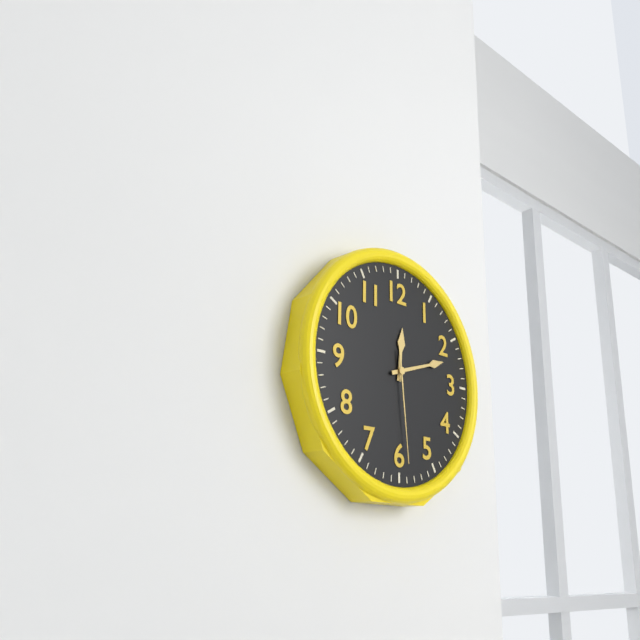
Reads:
12,12,29
